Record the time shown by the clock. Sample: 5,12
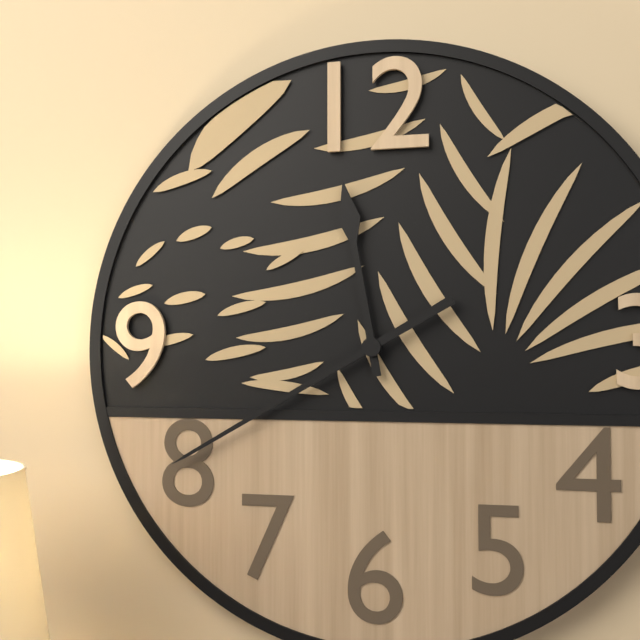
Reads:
11,40
